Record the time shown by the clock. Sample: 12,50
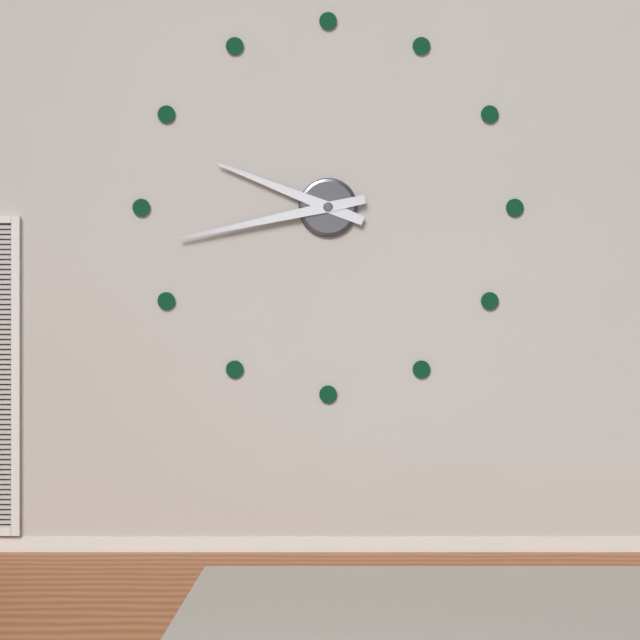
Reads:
9,43
